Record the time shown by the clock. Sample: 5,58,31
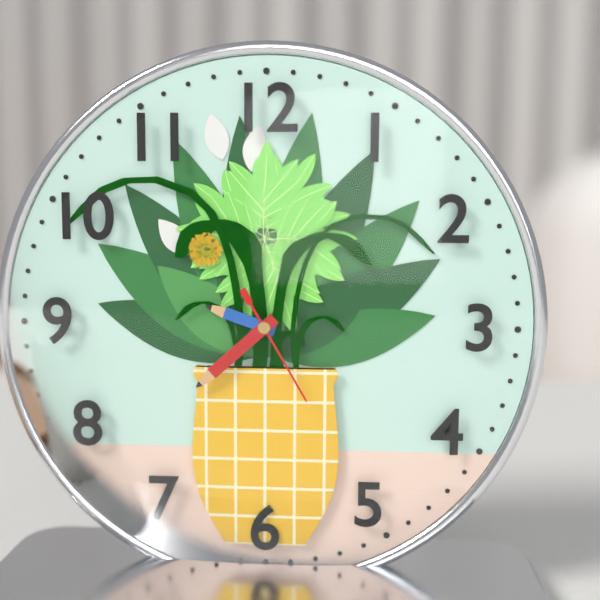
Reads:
9,38,25
